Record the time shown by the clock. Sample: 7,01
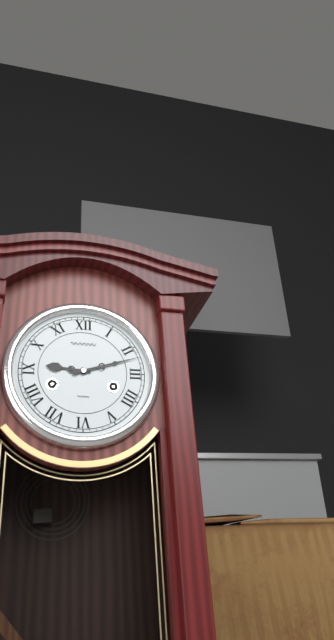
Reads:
9,12
